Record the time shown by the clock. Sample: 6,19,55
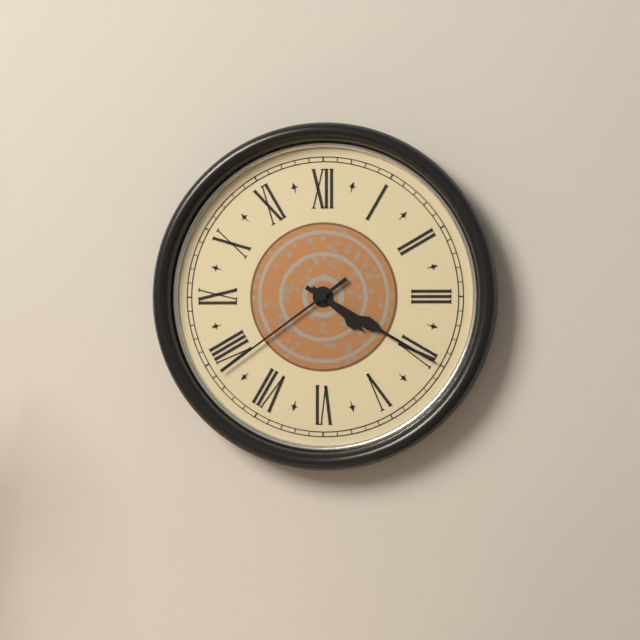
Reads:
4,20,39
